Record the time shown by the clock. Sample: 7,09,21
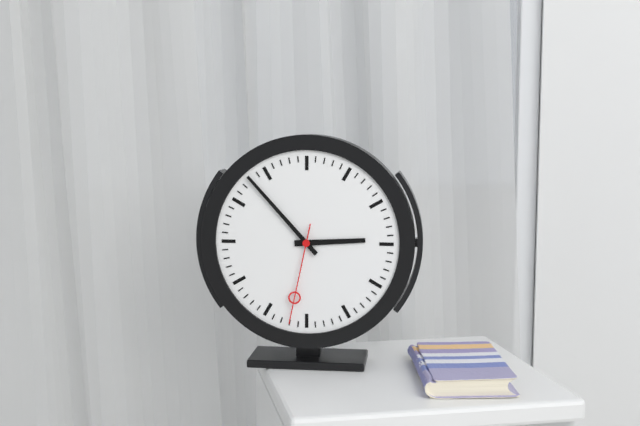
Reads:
2,53,32
